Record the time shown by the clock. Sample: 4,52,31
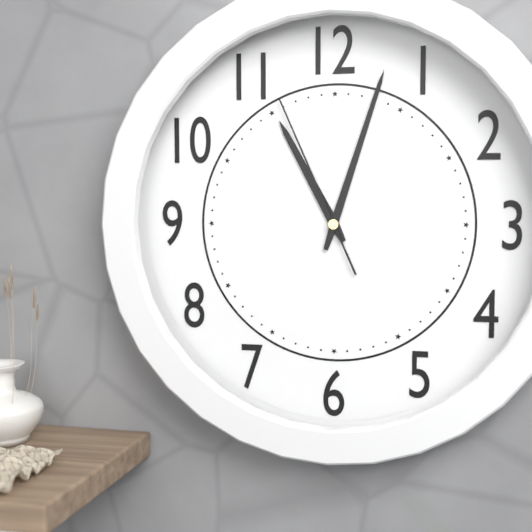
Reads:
11,03,56
